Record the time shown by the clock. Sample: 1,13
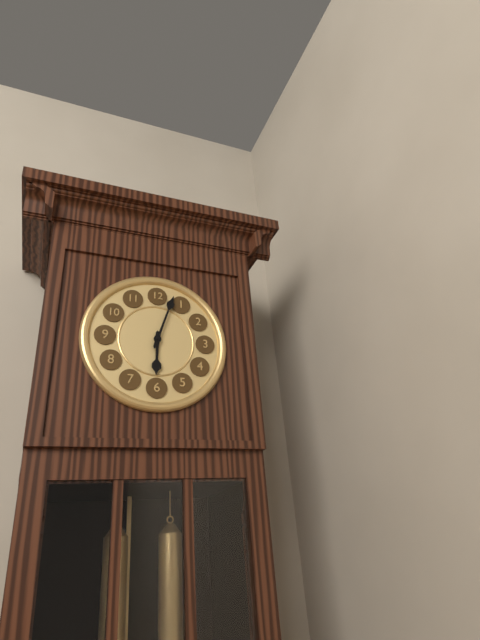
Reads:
6,03
